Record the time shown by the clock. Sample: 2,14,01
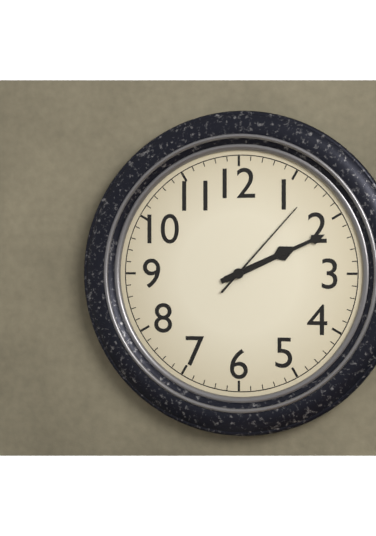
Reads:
2,11,07
